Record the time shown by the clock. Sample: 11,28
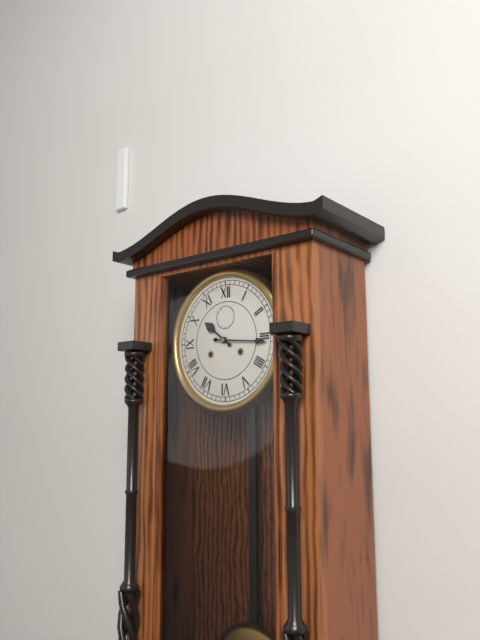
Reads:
10,16
